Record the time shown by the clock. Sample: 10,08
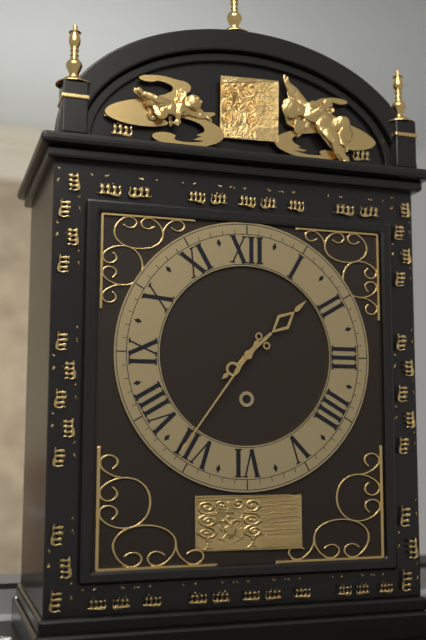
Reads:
1,36
